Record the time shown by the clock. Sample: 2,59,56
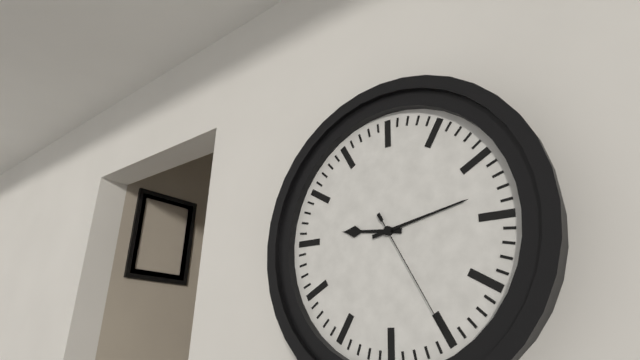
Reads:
9,13,25
